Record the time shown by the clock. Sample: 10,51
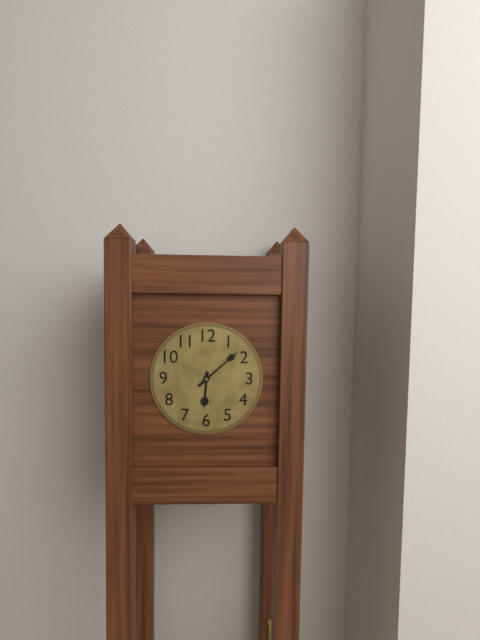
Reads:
6,08
